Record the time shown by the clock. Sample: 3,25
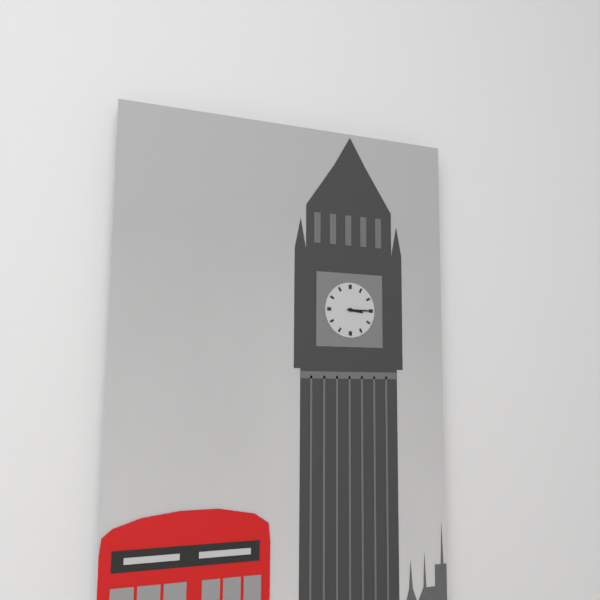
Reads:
3,15
